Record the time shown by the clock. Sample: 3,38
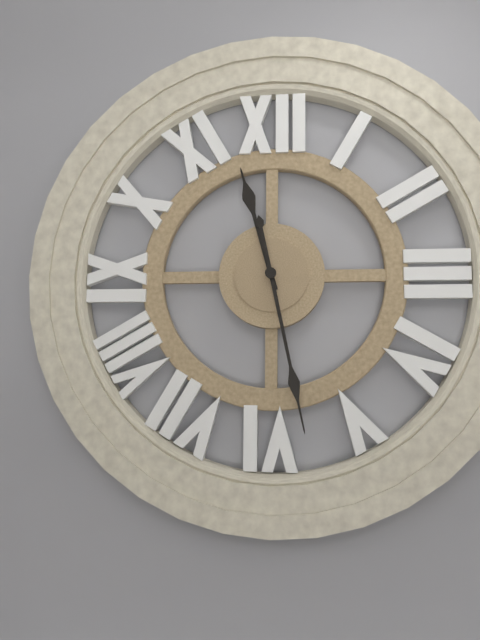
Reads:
11,28
